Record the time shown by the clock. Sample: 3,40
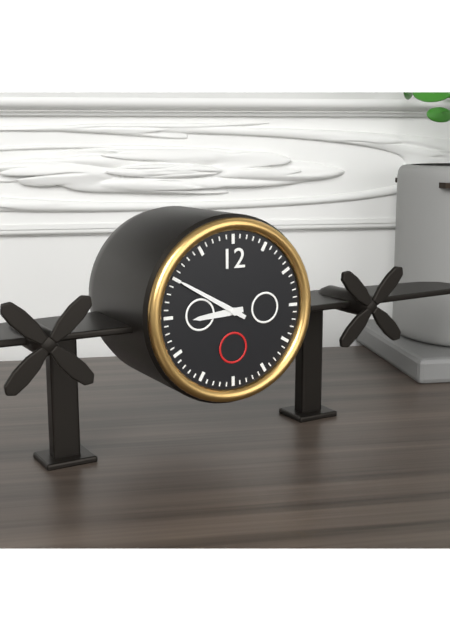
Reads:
8,50
